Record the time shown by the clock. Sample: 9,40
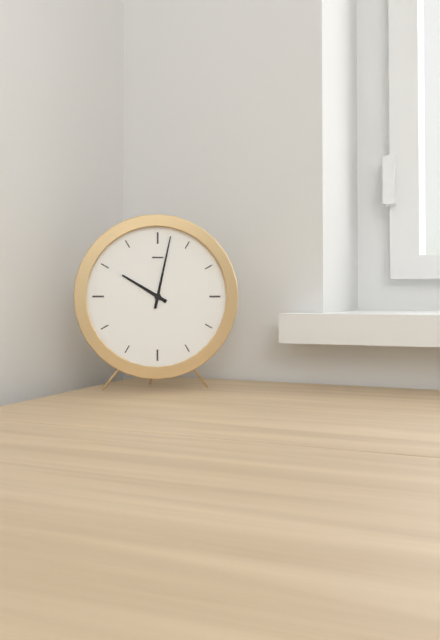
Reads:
10,02
